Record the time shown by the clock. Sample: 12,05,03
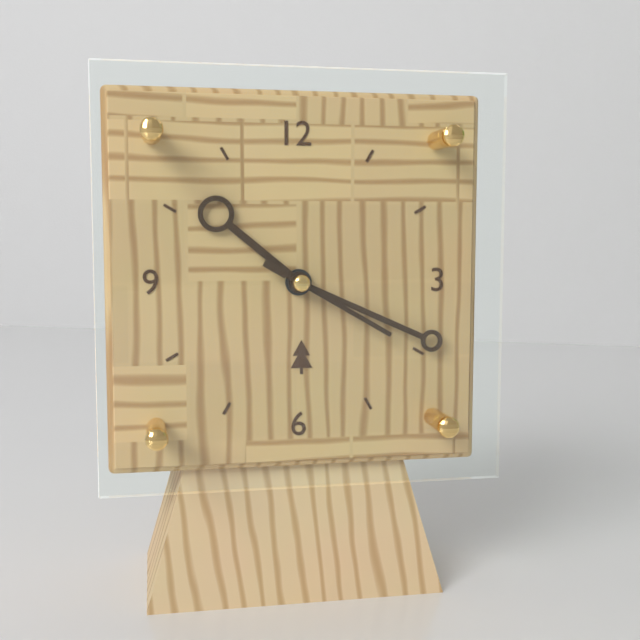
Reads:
10,19,20
